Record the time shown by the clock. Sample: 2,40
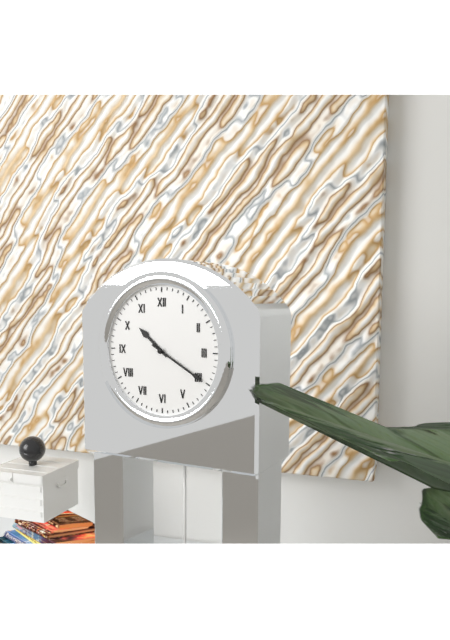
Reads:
10,20
